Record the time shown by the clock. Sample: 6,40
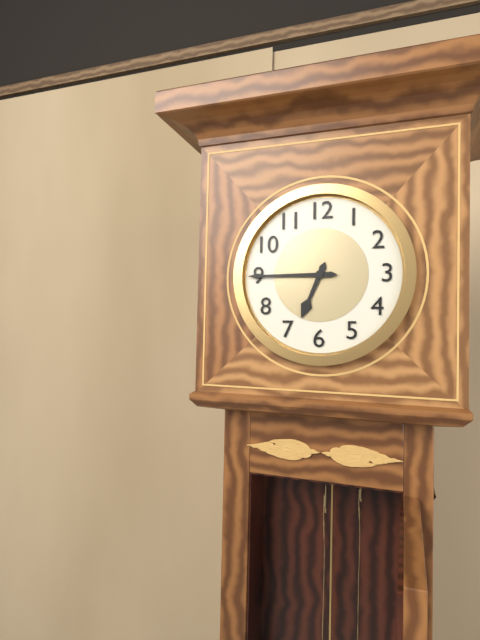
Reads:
6,45
